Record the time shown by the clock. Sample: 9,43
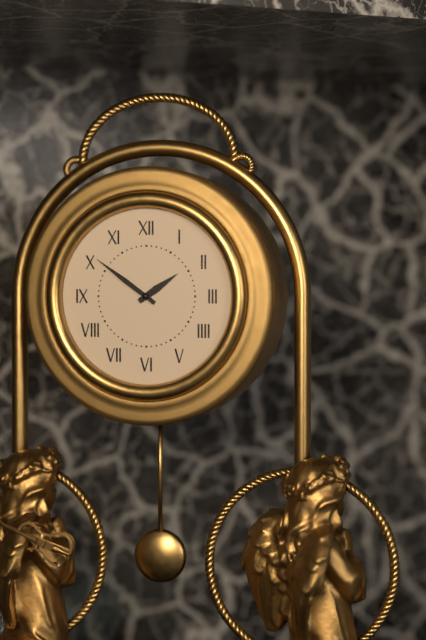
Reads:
1,51
